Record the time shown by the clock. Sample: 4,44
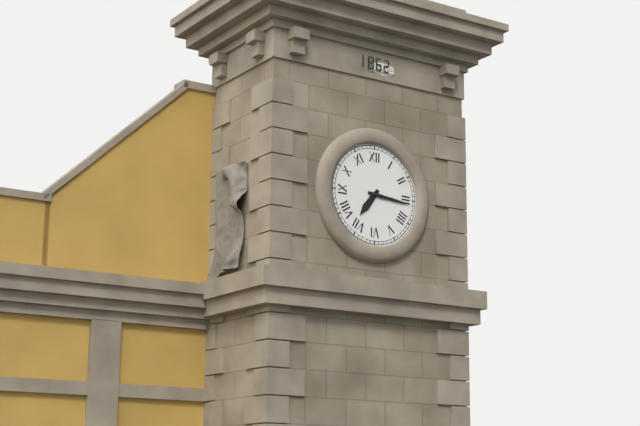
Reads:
7,16
